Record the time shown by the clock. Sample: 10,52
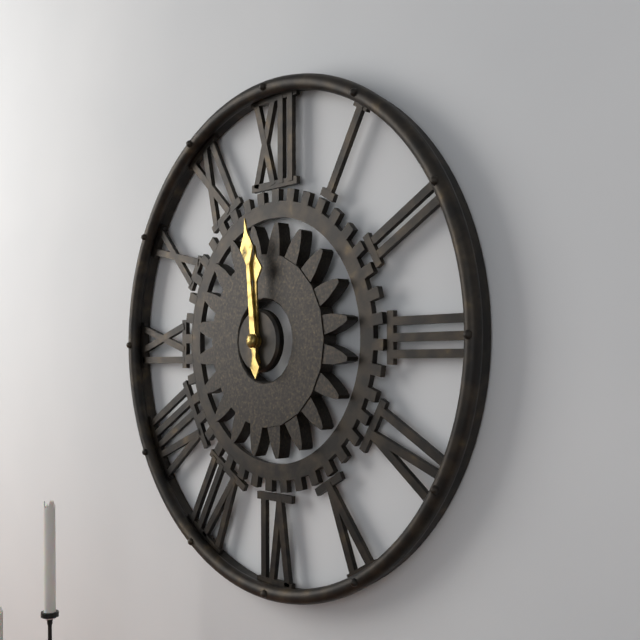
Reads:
11,59
